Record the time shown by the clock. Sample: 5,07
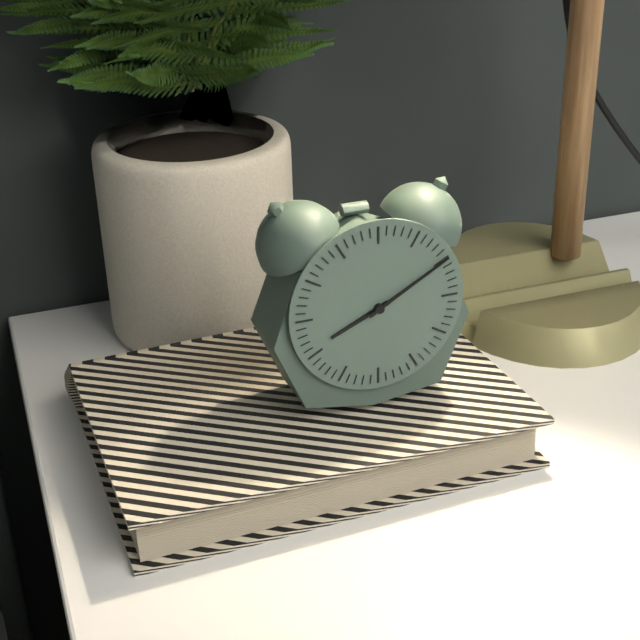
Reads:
8,10
